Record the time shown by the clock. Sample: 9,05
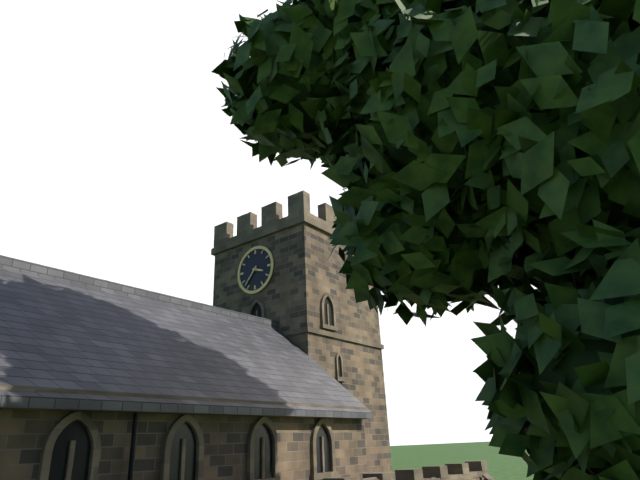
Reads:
3,37
